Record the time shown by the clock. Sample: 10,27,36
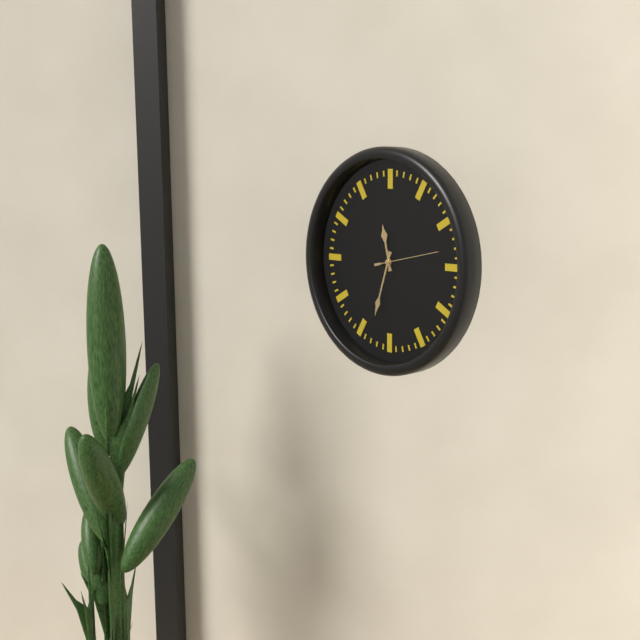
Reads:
11,33,13
